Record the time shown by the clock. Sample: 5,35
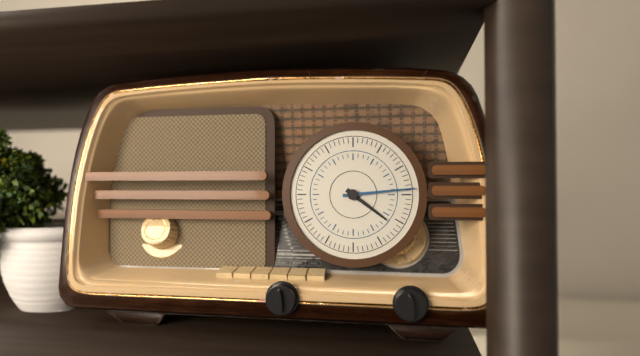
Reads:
4,14
